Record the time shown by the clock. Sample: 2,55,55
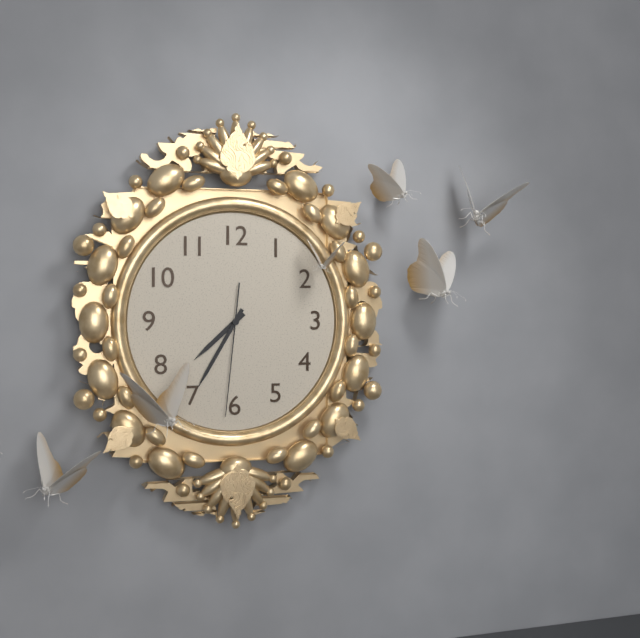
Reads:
7,35,31
